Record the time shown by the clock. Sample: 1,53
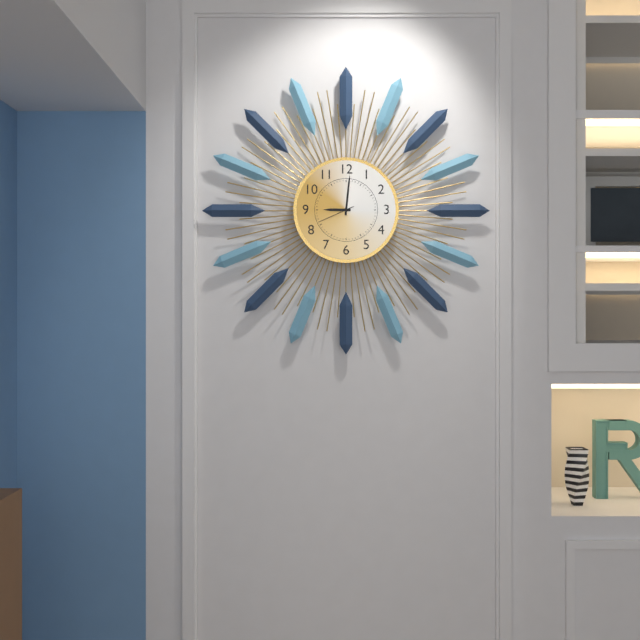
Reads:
9,01
